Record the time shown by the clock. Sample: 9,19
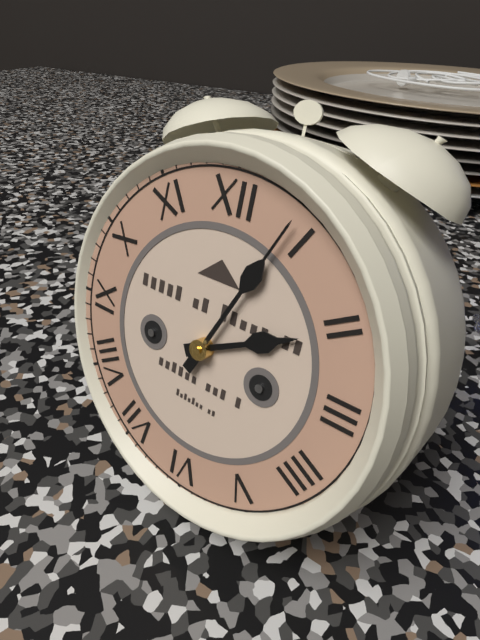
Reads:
2,04
